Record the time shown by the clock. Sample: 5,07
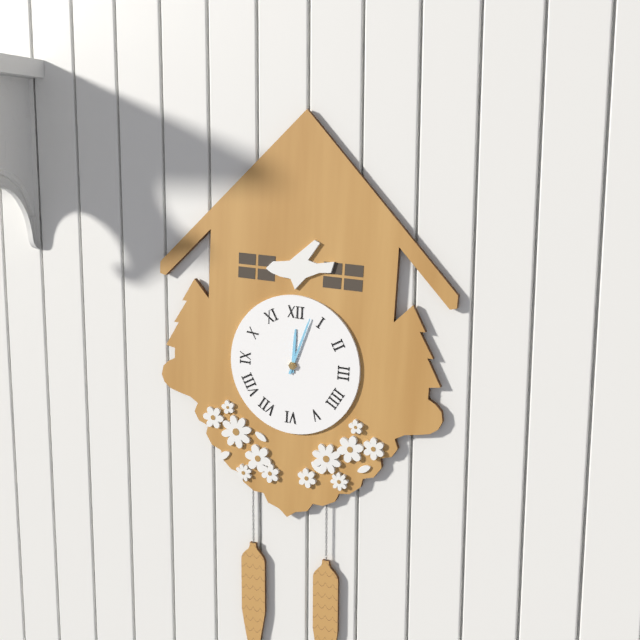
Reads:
12,03
